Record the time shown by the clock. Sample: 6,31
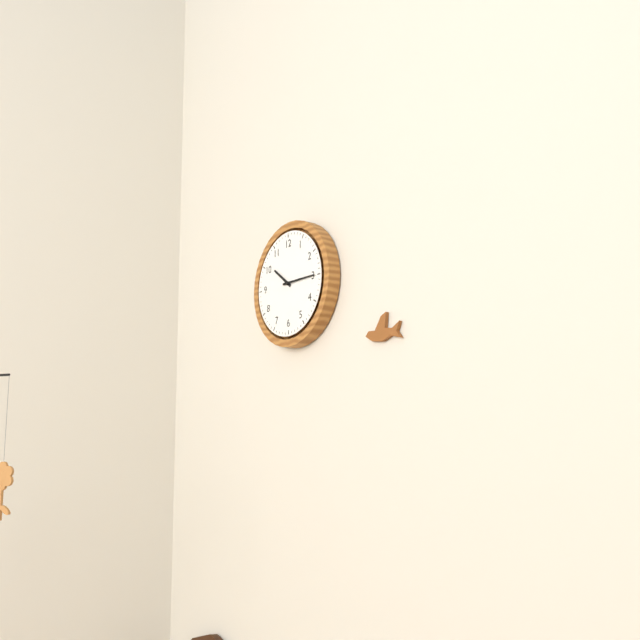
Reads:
10,15
